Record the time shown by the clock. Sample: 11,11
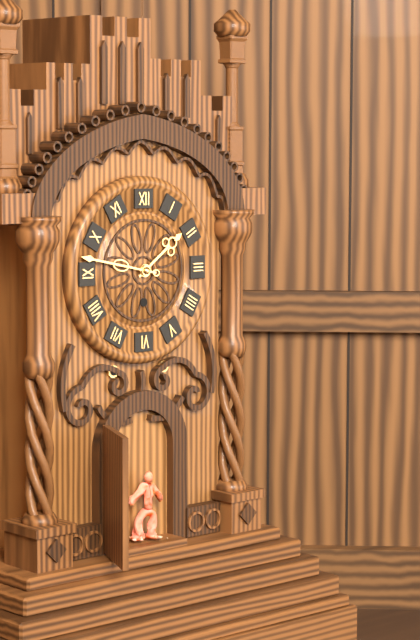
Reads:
1,47
